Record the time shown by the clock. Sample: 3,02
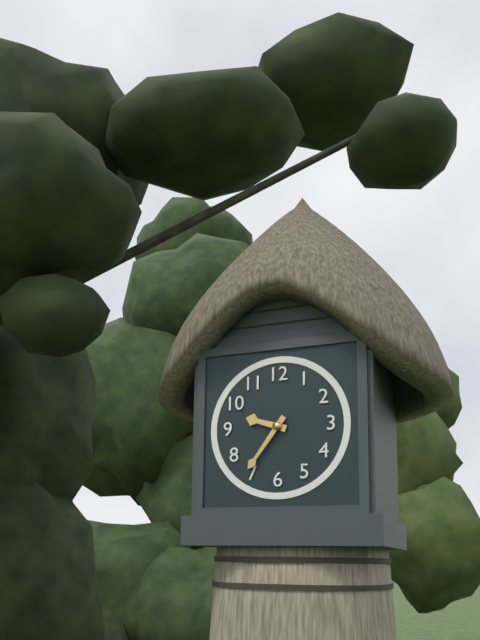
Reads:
9,36
